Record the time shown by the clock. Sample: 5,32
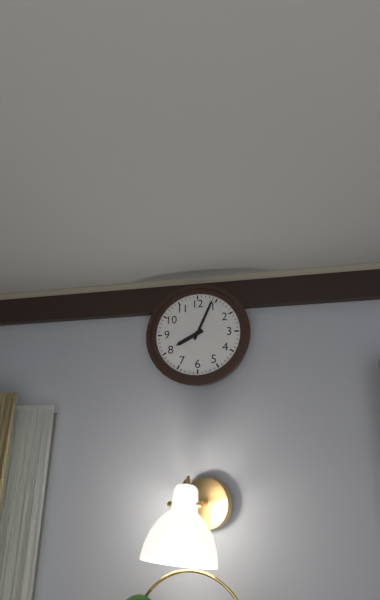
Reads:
8,04
